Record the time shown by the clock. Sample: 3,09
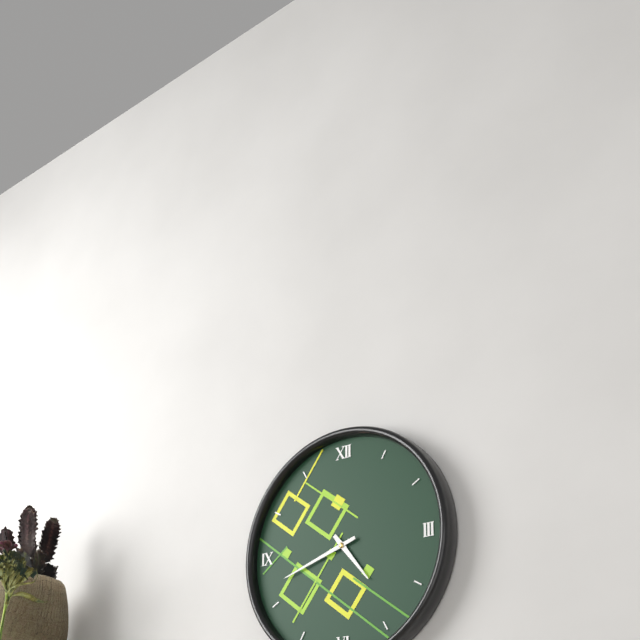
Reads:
4,42
